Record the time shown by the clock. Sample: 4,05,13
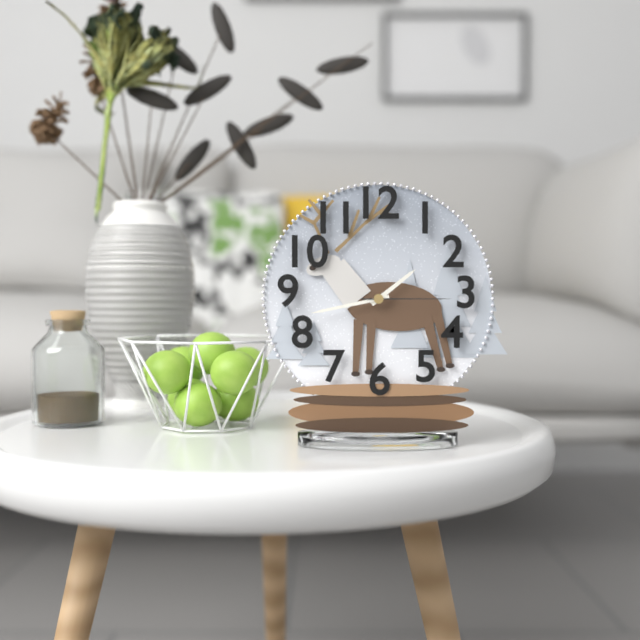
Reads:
1,43,15
